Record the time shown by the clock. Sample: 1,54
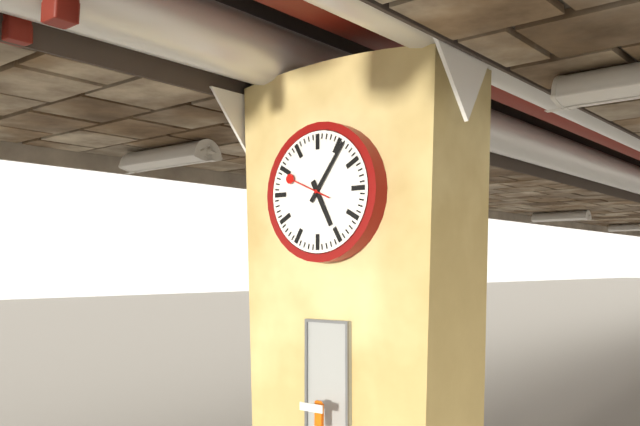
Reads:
5,06
